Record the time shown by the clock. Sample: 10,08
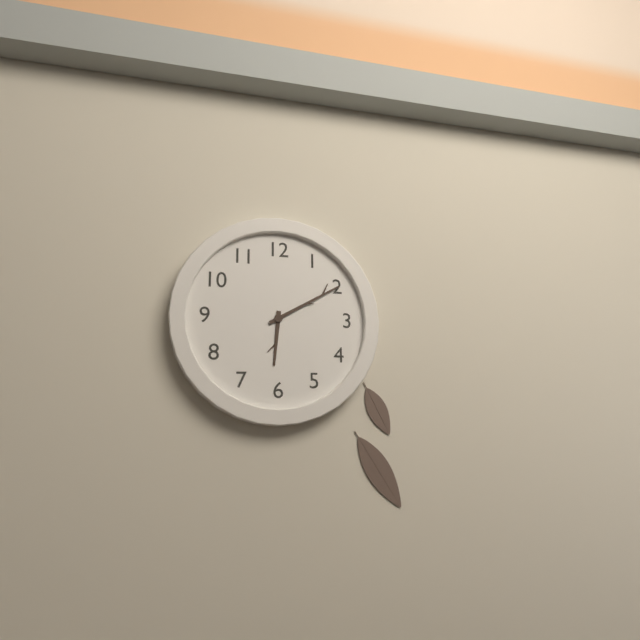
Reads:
6,10
